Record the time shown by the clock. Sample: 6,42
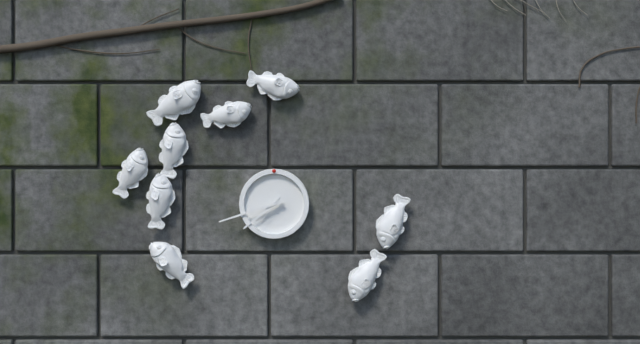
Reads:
7,42
